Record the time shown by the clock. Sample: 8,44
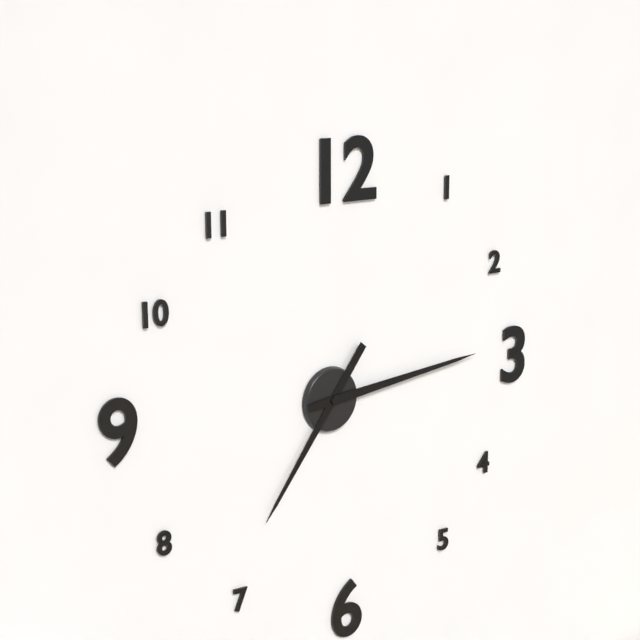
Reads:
7,14
